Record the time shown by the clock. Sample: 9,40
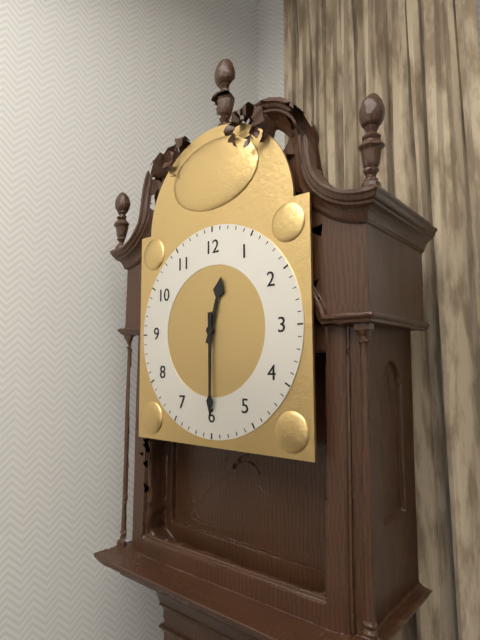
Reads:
12,30
